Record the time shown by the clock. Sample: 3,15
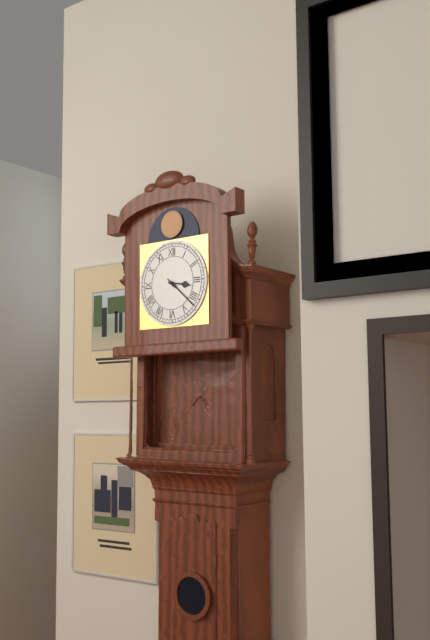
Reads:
3,22
